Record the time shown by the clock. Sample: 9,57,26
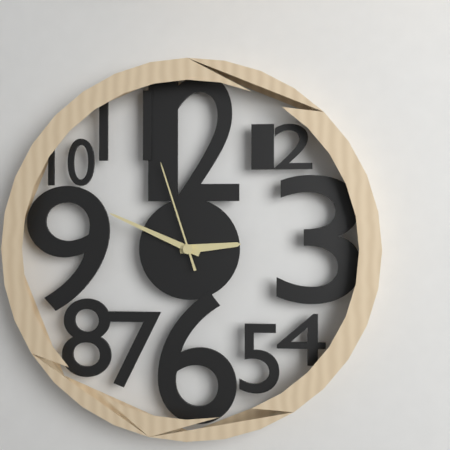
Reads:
2,49,57
